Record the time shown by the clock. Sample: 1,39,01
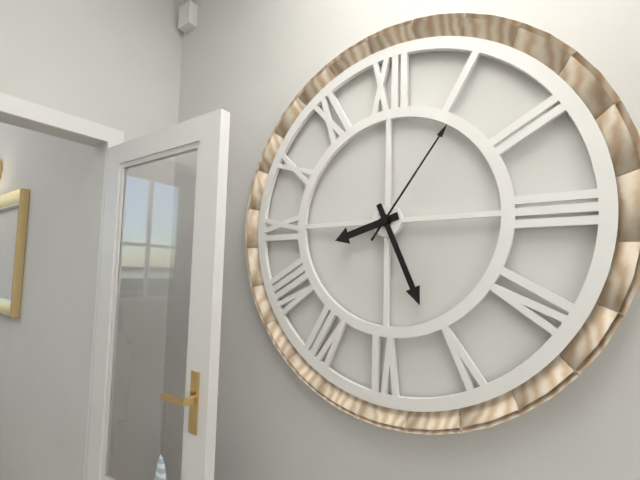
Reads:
8,26,06
